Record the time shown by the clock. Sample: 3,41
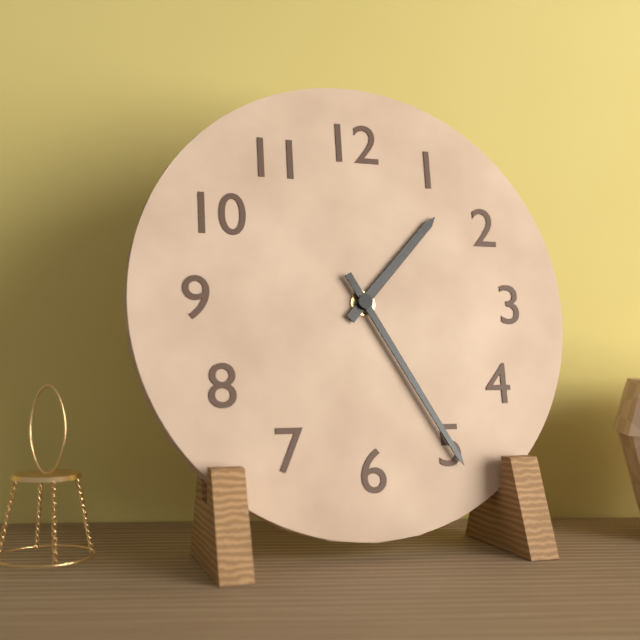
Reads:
1,25
